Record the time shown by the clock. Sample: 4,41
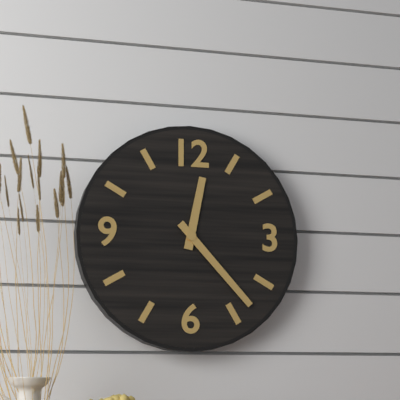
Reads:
12,23
